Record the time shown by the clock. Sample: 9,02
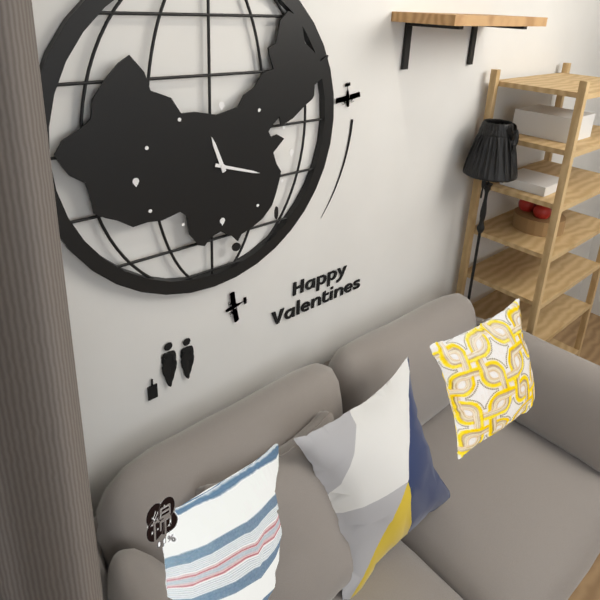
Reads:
11,18
